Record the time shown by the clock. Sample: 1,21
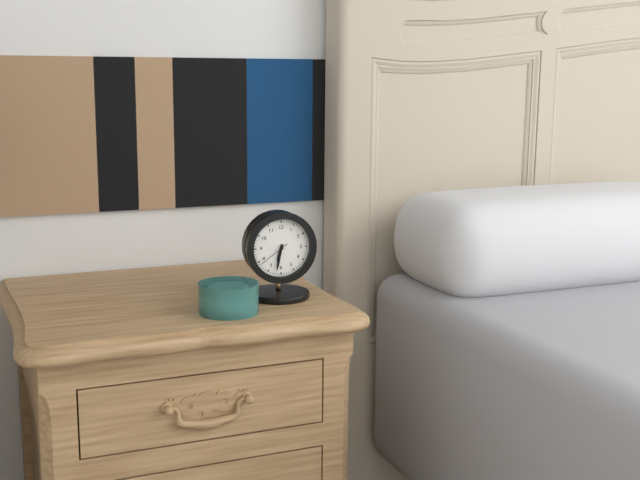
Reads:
6,32
